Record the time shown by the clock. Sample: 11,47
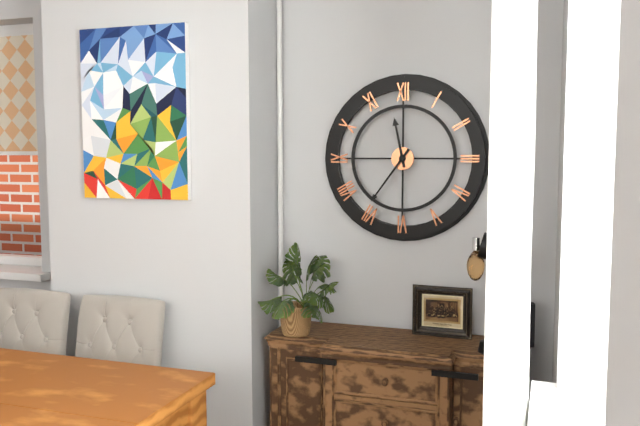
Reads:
11,36
